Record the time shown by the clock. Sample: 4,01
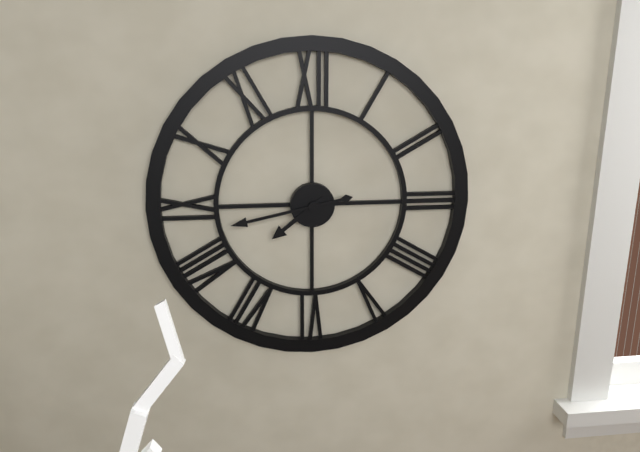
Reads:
7,43
